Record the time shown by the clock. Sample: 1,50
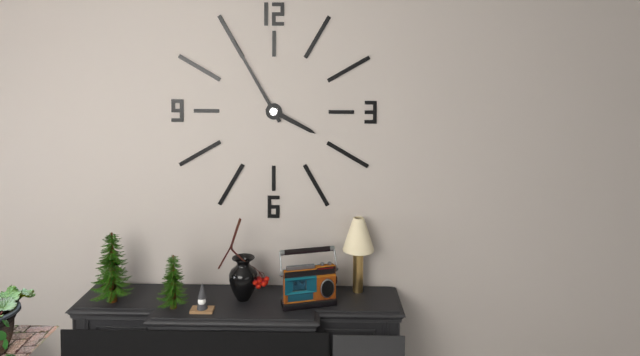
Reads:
3,55
